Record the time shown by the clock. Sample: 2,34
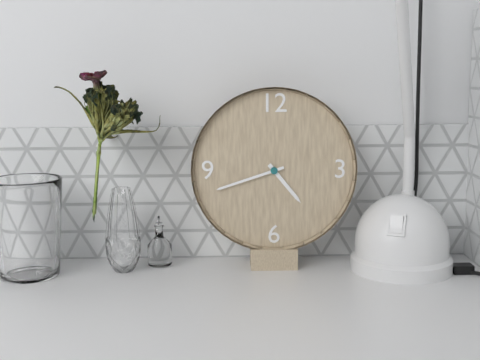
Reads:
4,42
